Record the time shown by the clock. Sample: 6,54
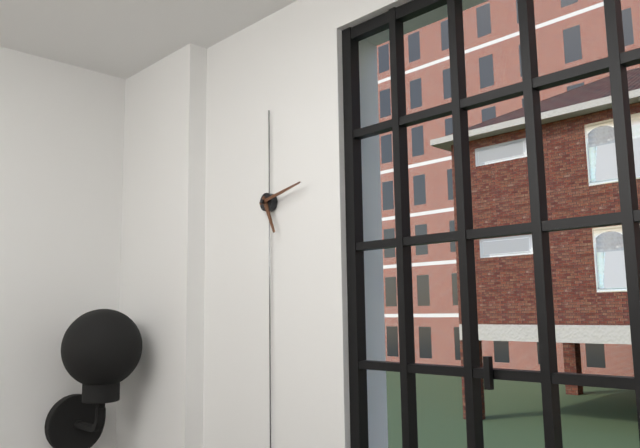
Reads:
5,13
